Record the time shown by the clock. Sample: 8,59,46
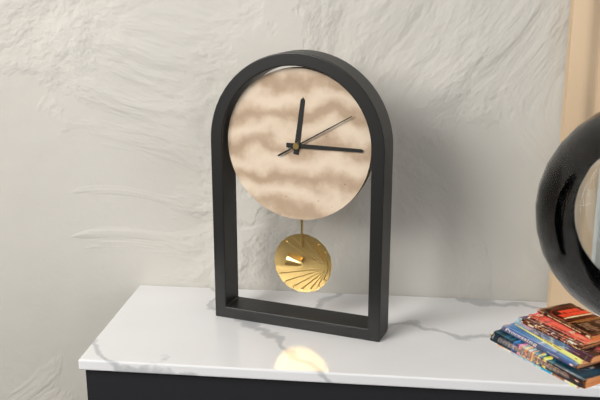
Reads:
12,15,10
